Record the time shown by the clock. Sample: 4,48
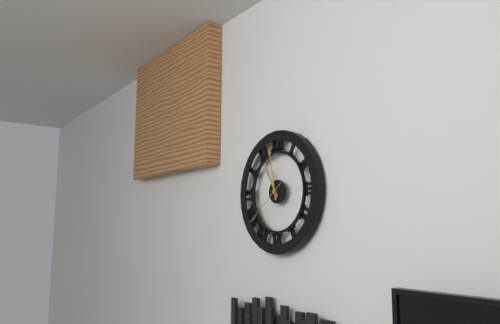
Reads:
10,58
